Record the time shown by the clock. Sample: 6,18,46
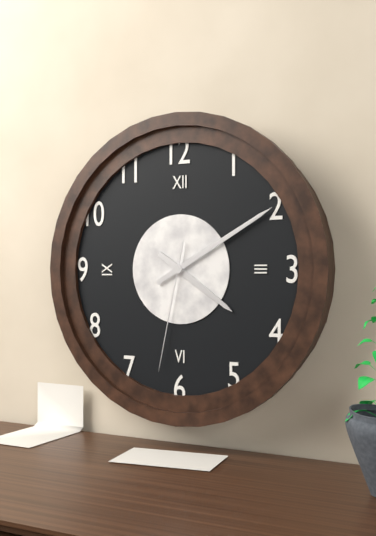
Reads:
4,10,32
